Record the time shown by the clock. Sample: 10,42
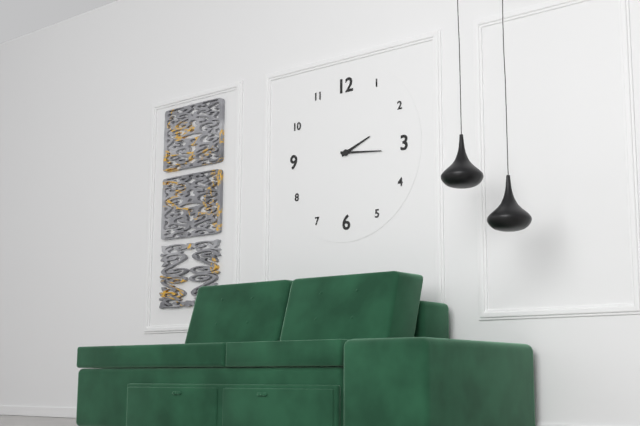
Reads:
2,16
